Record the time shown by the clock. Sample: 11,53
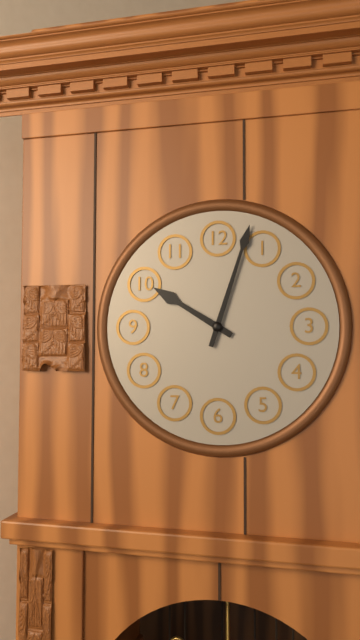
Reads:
10,03
